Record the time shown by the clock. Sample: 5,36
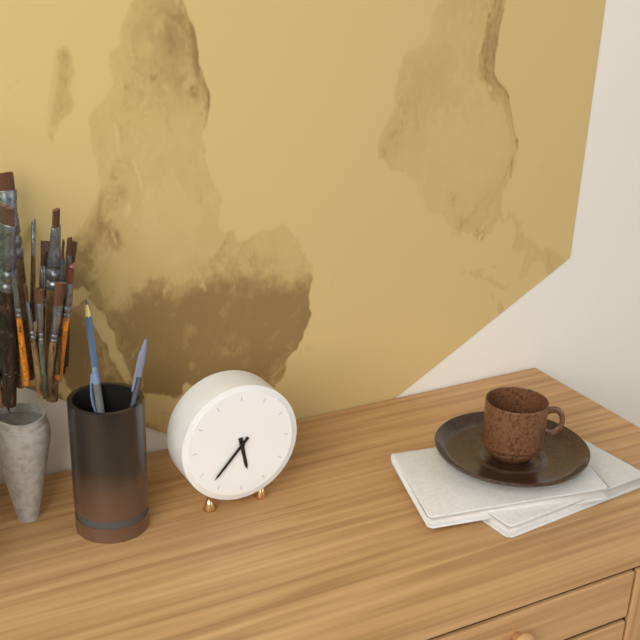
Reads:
5,37
